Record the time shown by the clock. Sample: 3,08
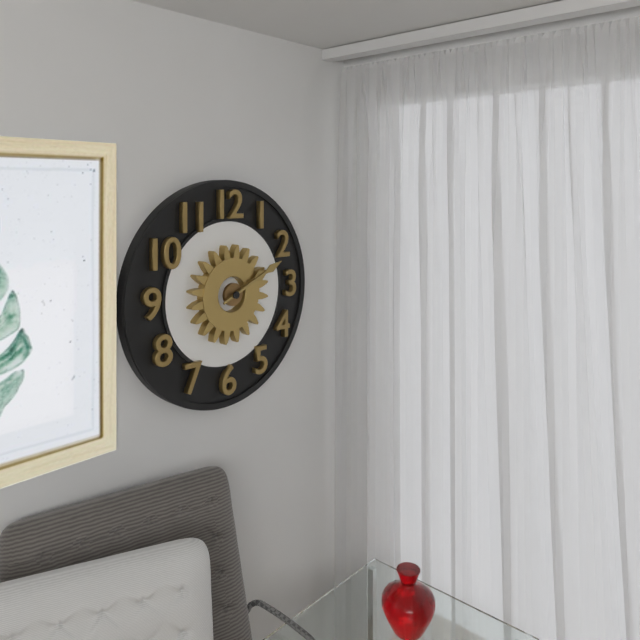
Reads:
2,11
